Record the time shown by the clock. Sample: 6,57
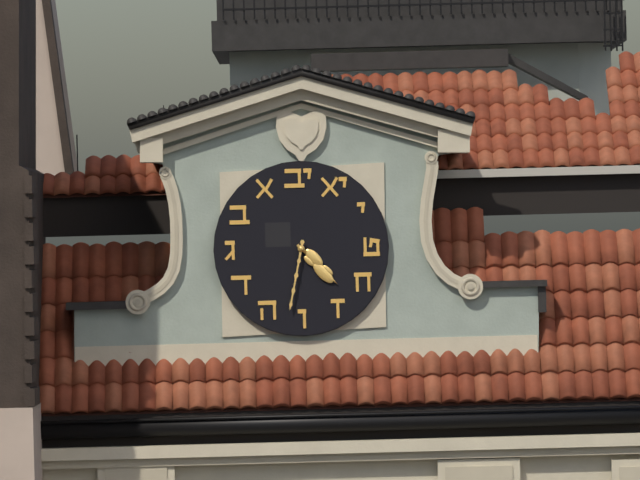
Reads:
4,32
